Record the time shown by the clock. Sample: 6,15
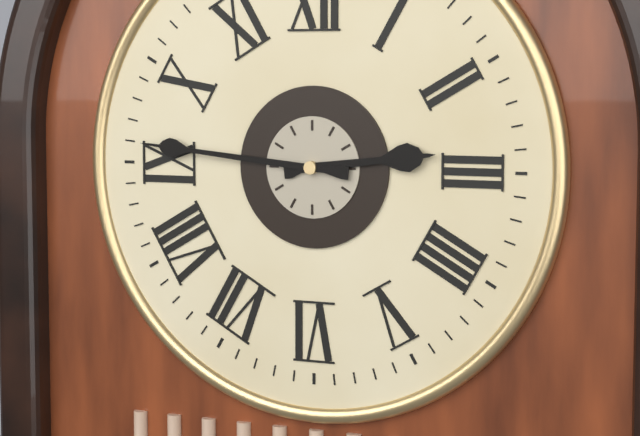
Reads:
2,46
